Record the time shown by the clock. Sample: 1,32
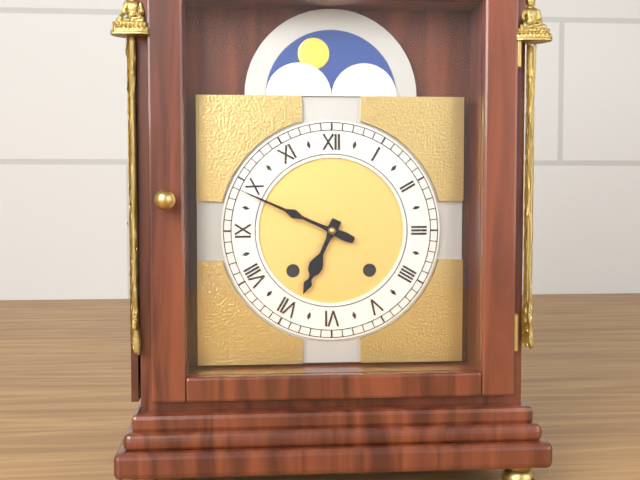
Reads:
6,49
